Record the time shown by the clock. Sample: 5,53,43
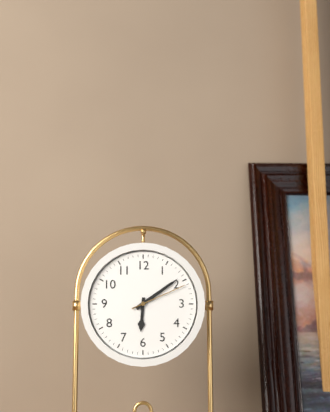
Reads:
6,09,11
